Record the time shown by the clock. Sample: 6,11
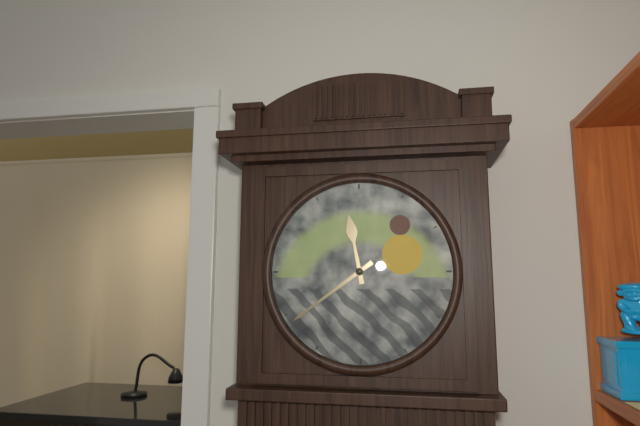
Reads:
11,39
